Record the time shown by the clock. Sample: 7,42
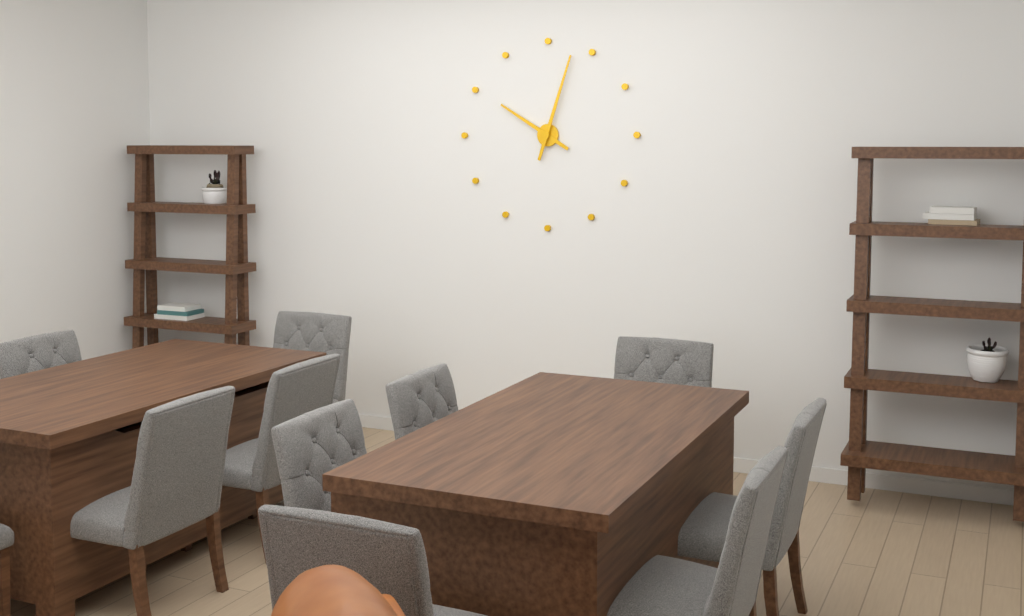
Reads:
10,03
